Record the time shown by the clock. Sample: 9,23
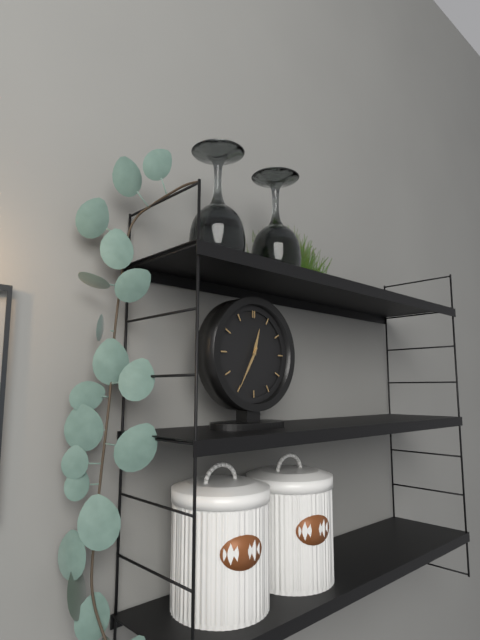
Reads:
12,35
